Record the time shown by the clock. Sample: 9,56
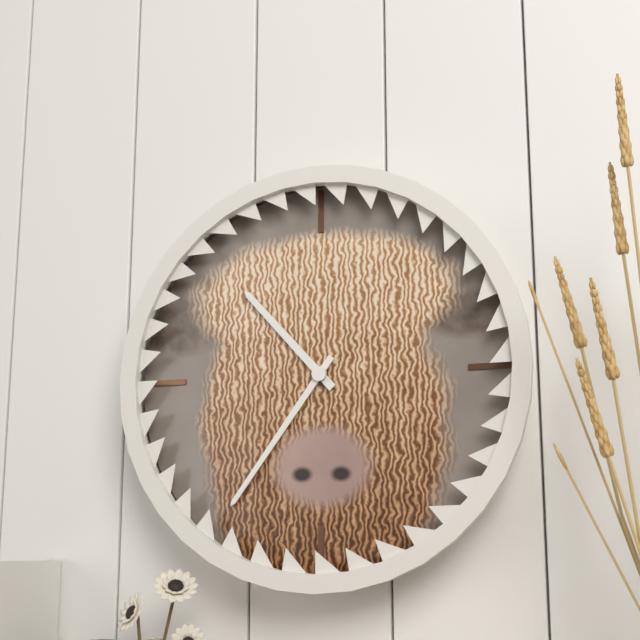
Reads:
10,36
